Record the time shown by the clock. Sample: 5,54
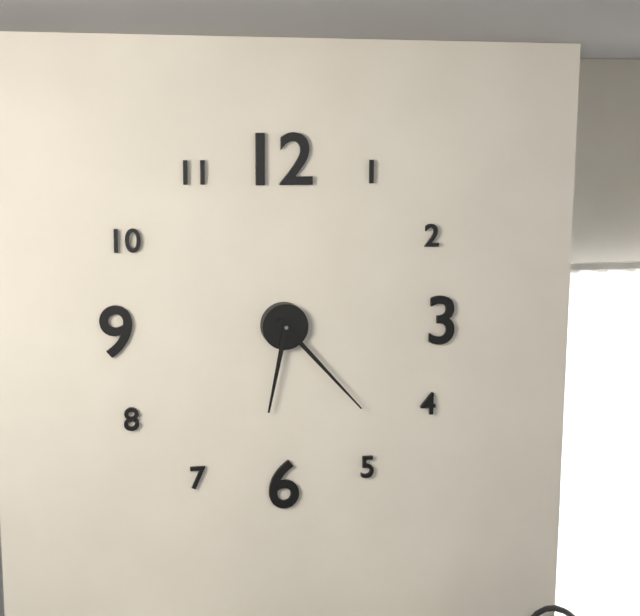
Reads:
6,23
